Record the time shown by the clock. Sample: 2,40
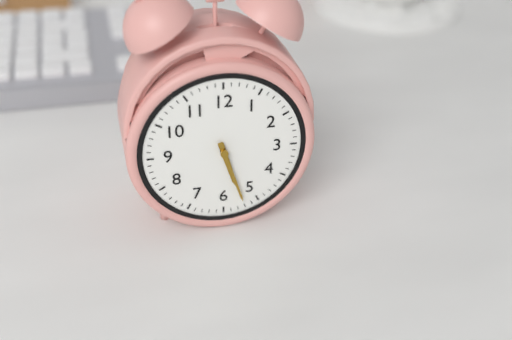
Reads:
5,27
